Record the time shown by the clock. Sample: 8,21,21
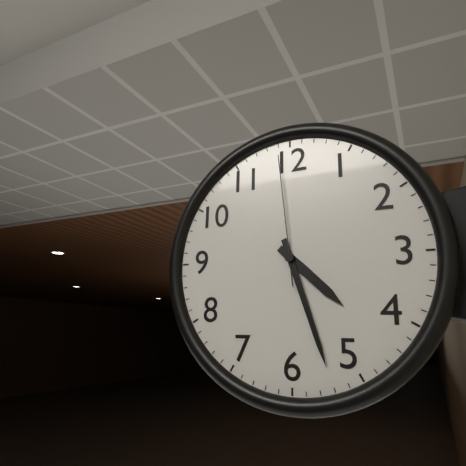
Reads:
4,27,59
